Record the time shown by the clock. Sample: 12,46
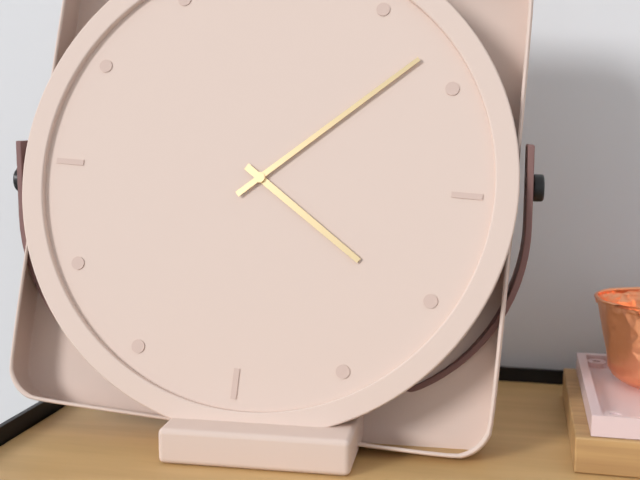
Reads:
4,08
